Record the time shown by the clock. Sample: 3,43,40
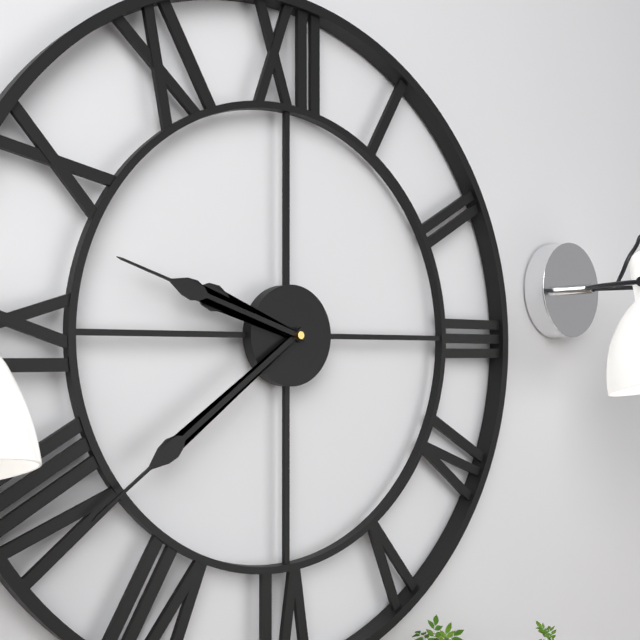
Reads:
9,39,48
